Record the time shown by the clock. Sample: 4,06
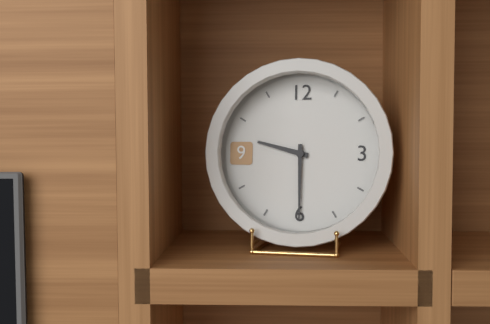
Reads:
9,30
